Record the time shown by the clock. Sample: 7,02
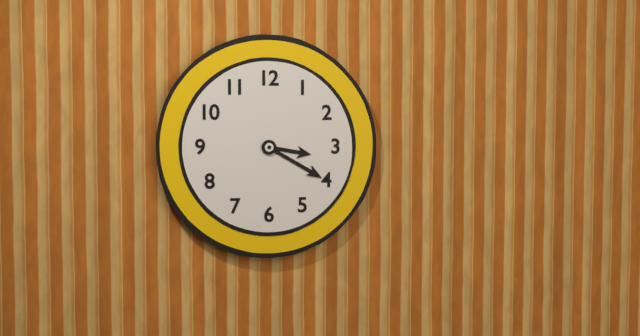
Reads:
3,20
